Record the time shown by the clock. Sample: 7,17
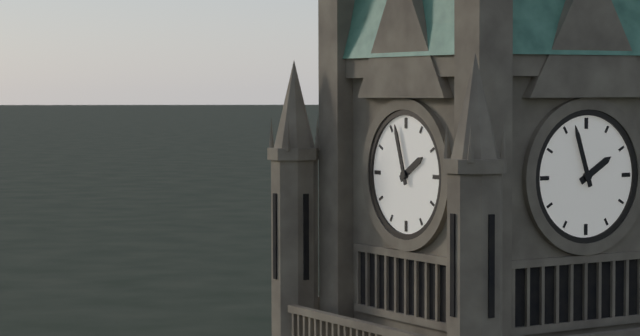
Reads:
1,57
